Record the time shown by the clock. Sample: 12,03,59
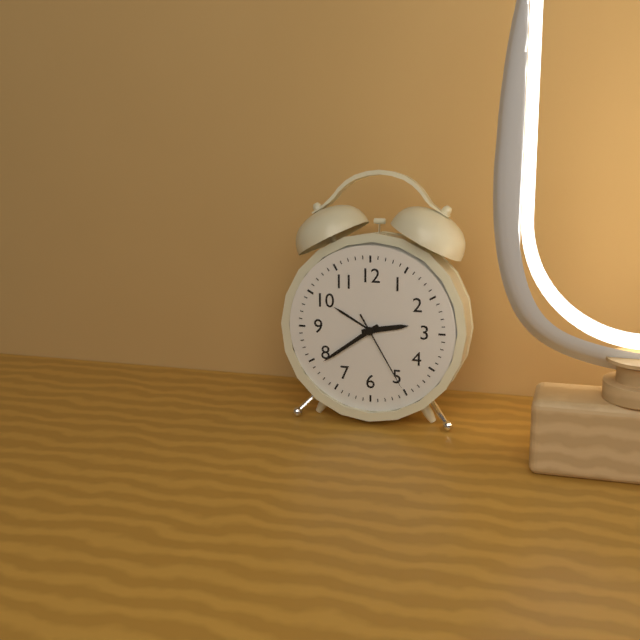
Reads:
2,39,25
